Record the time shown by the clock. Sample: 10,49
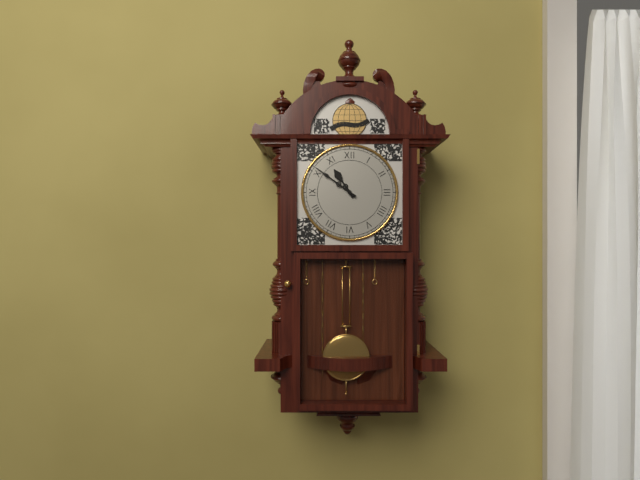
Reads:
10,51
